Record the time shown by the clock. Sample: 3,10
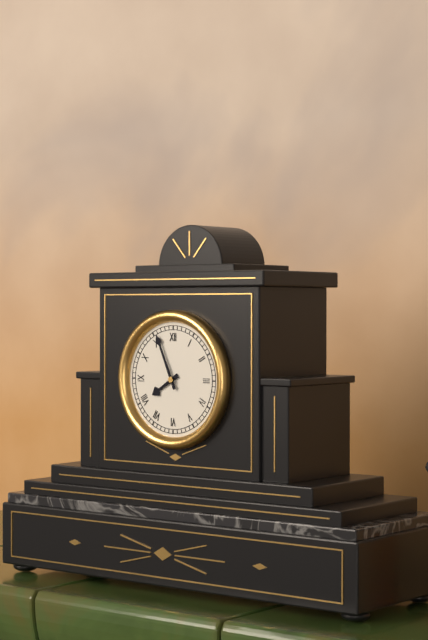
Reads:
7,56
